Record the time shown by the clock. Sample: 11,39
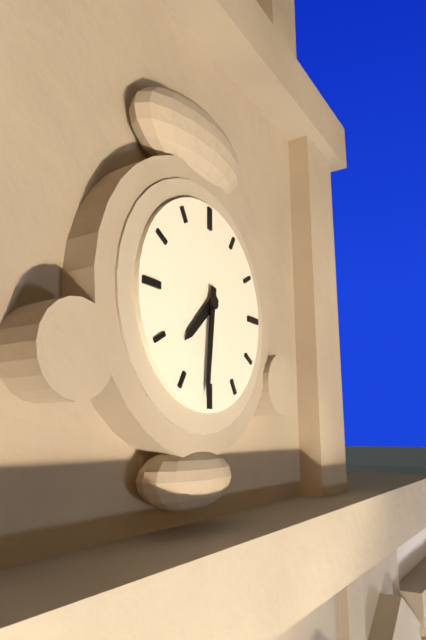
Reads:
7,31
